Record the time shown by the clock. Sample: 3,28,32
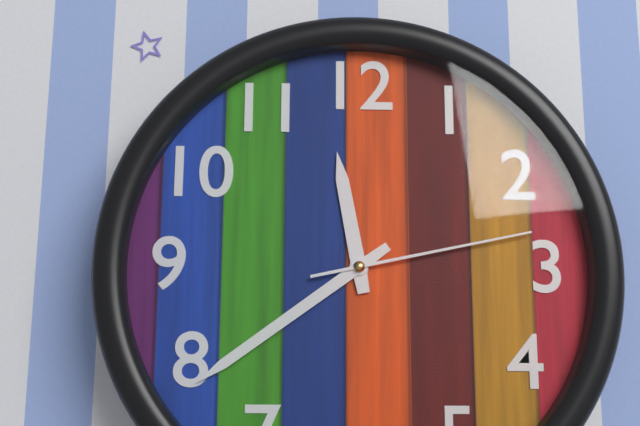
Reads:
11,39,13
